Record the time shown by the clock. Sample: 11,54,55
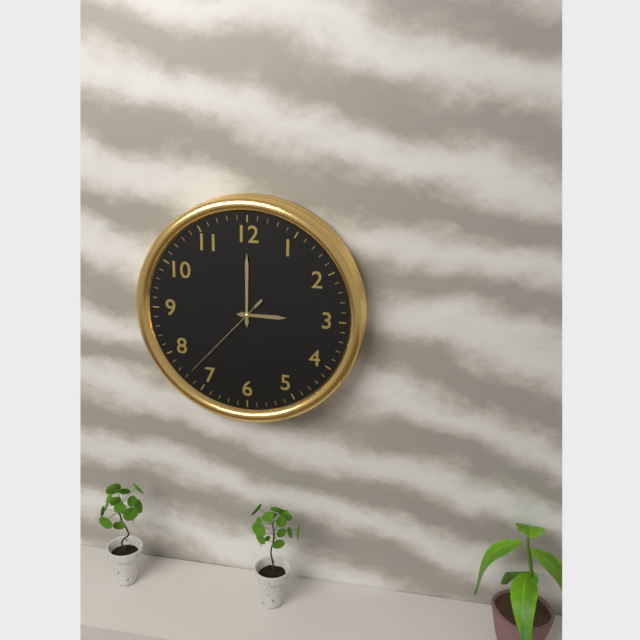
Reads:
3,00,37
